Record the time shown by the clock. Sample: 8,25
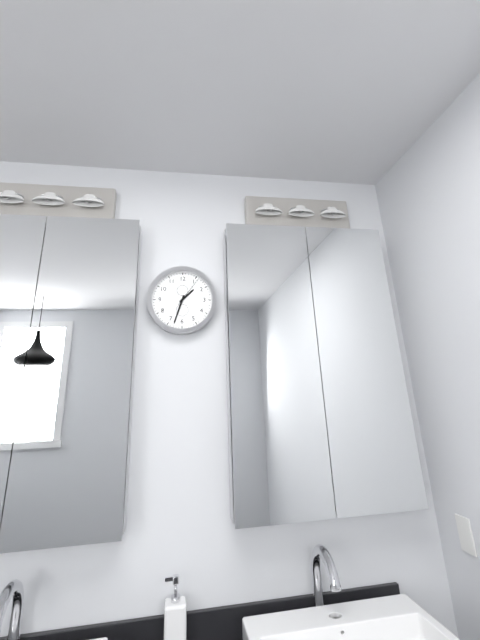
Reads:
1,33
